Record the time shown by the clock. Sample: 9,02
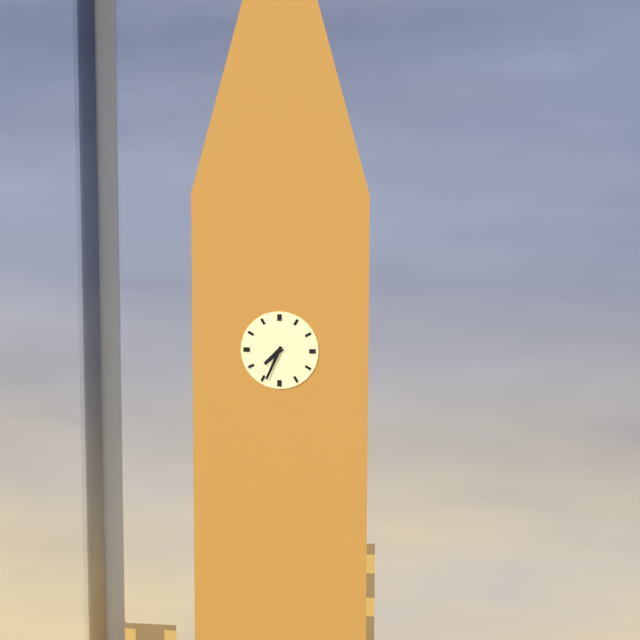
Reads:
7,34
